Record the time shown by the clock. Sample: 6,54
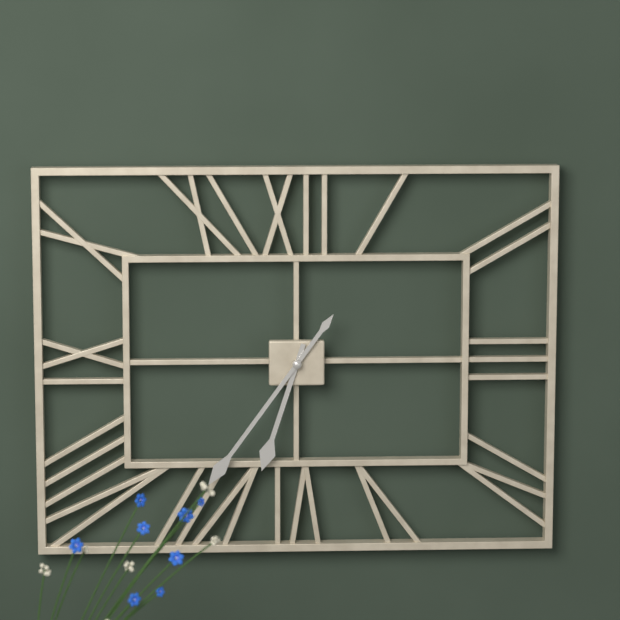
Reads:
6,36
